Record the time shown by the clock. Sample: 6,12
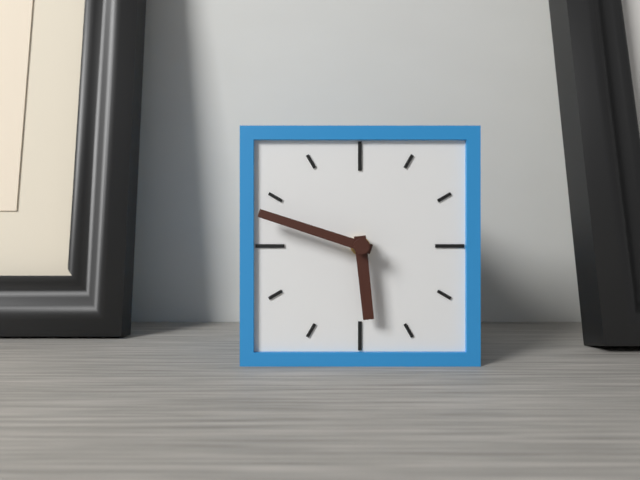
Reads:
5,48
